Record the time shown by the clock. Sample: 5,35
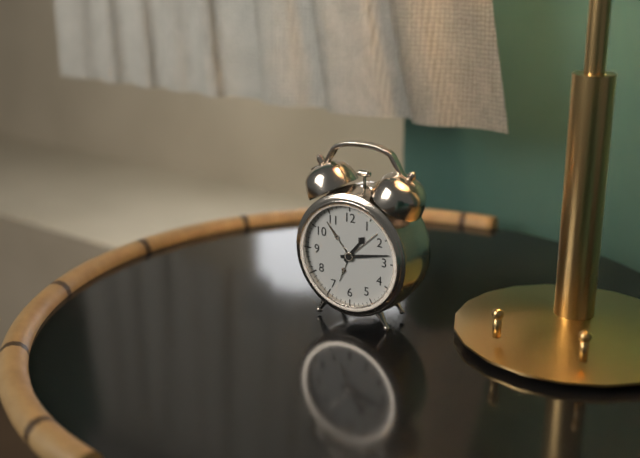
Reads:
1,13
